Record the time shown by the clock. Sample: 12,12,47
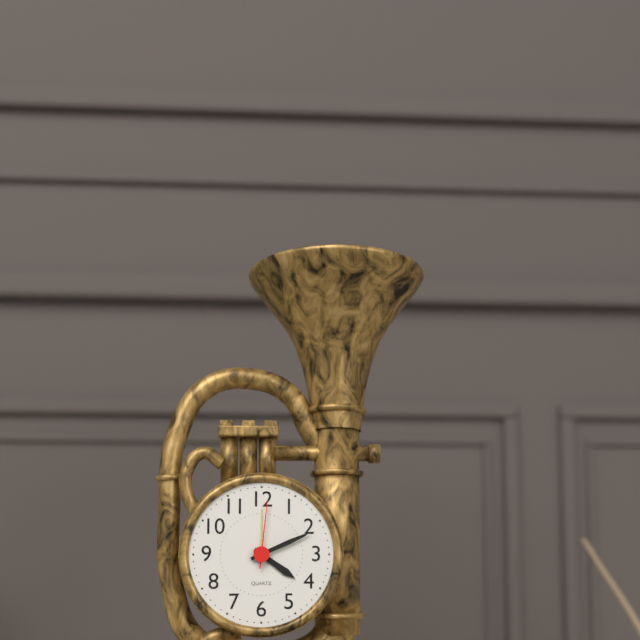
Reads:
4,11,01
